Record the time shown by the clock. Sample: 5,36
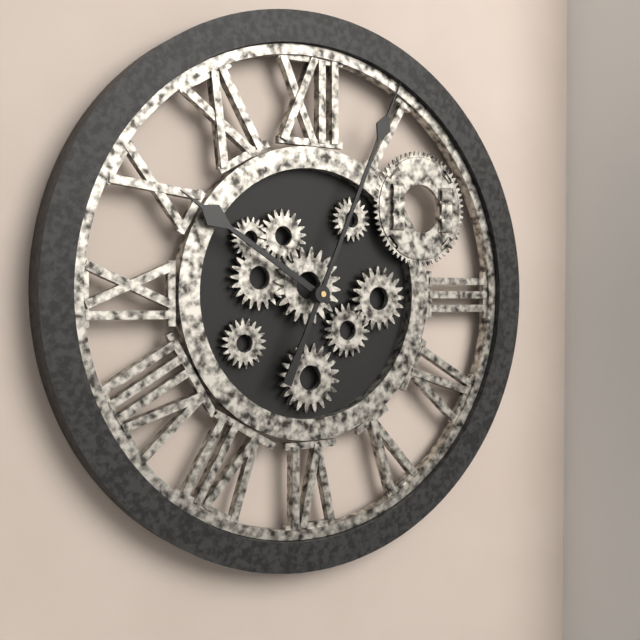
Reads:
10,04
